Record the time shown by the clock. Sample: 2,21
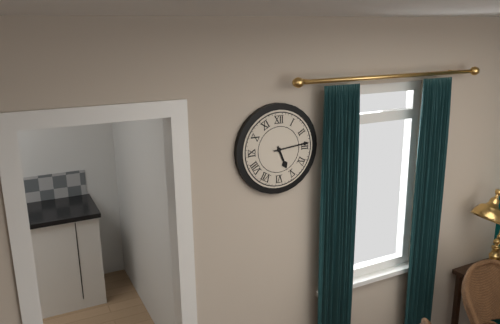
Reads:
5,14
